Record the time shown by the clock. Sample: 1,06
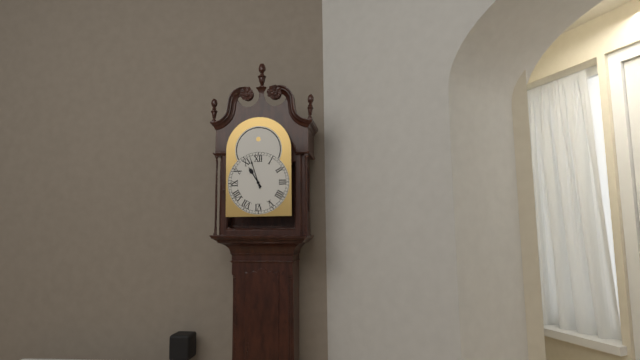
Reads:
10,57
